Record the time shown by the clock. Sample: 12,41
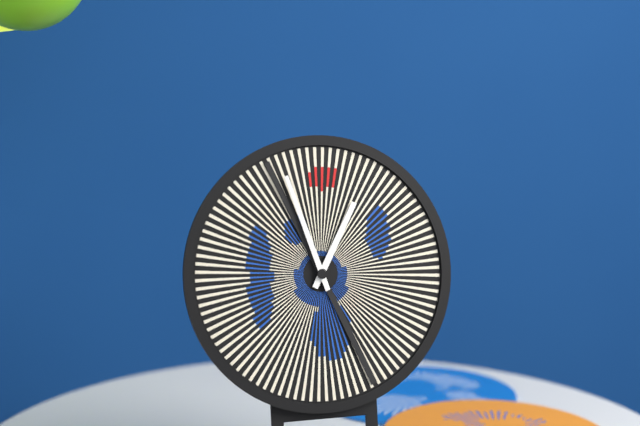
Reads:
12,57
